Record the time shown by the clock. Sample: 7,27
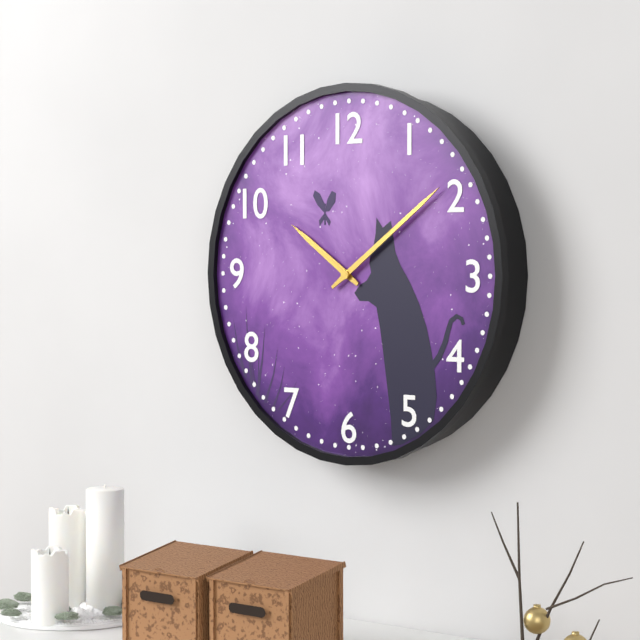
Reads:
10,09
